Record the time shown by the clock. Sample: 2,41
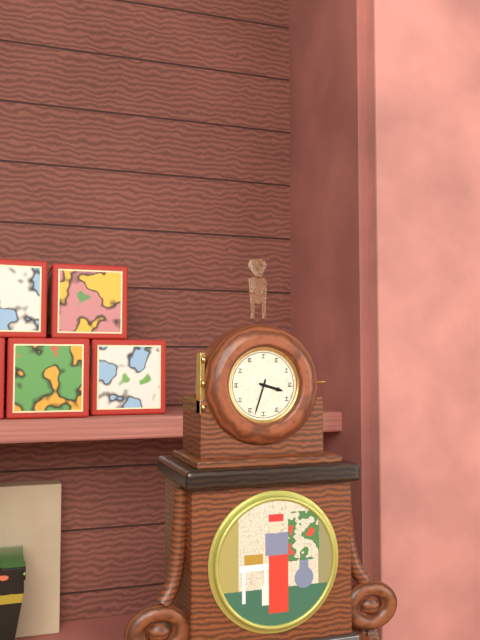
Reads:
3,33
